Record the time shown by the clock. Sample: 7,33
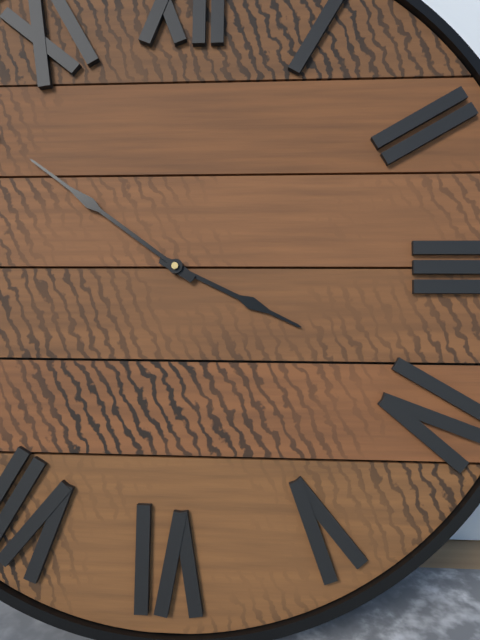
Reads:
3,51
